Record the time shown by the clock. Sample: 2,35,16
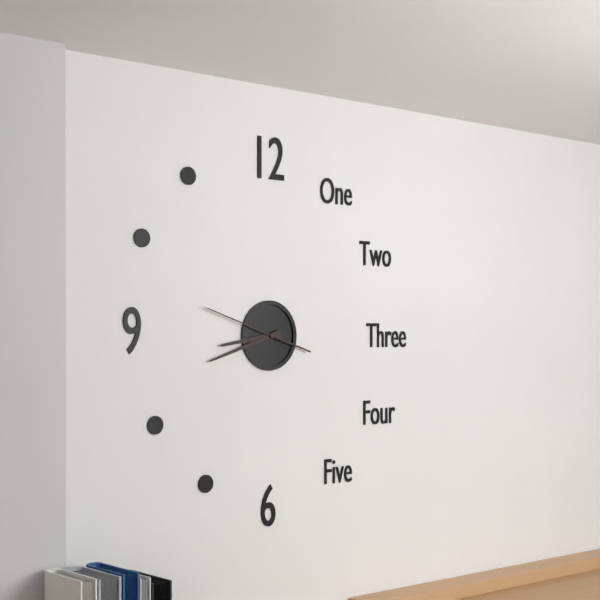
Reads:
8,42,48
